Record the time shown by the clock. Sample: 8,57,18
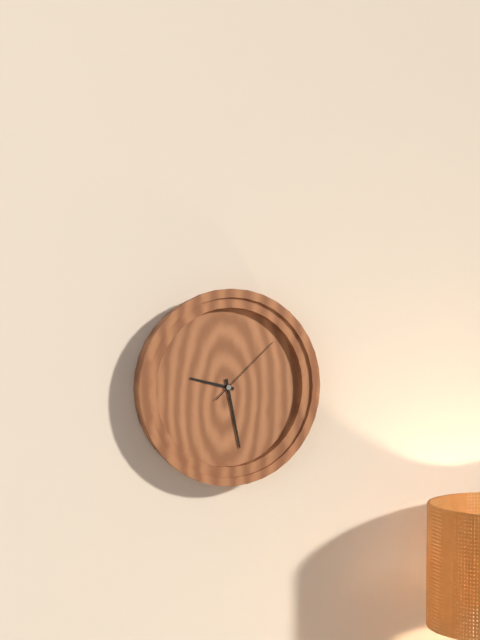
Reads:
9,28,08
